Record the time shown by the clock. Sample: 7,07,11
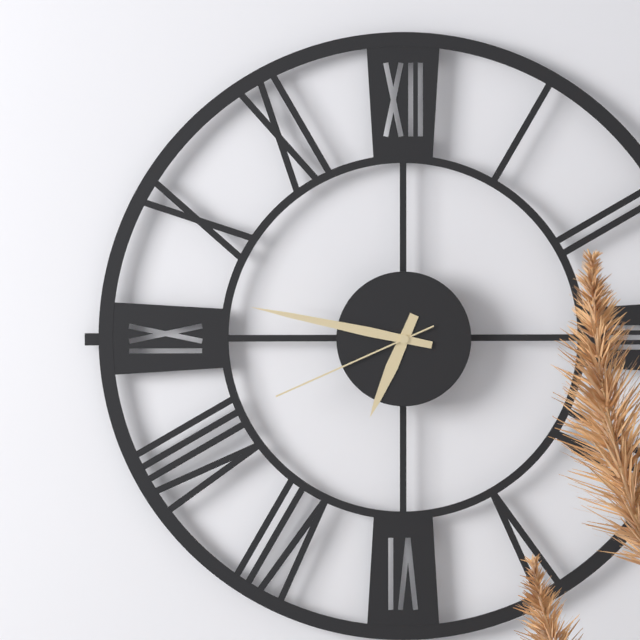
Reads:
6,47,41
